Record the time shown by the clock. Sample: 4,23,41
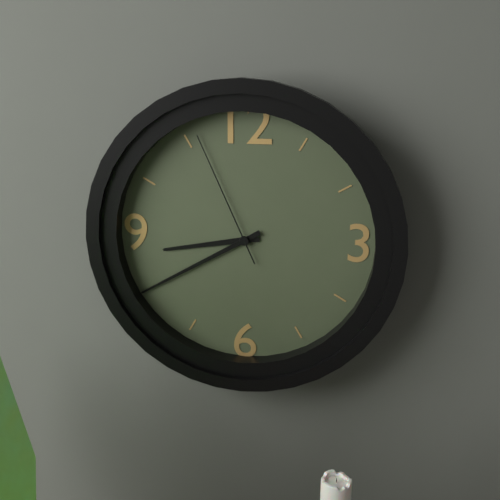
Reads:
8,40,56
